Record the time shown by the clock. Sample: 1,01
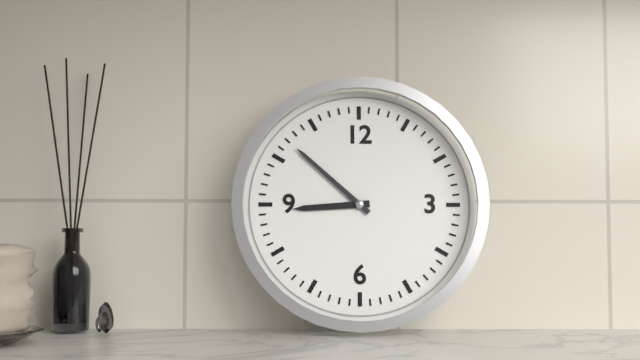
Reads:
8,52
